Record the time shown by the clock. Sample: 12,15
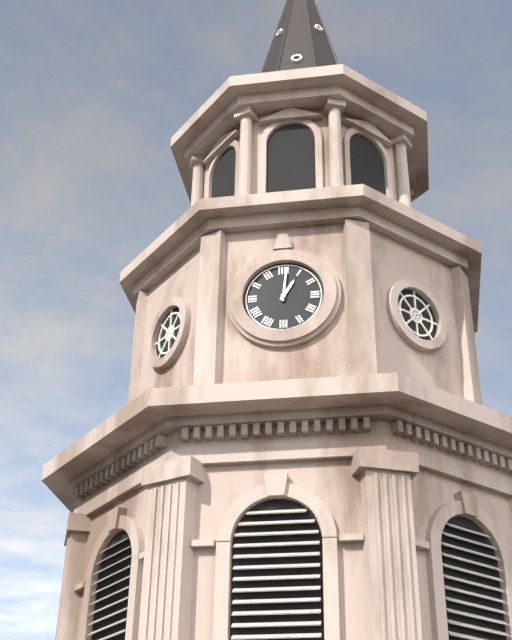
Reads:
1,01
